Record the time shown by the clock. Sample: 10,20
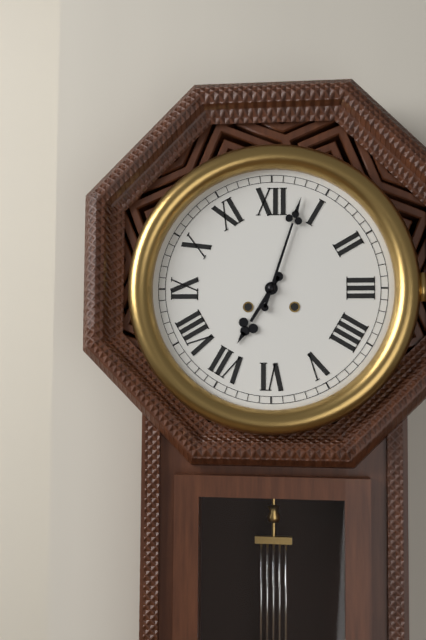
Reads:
7,03
